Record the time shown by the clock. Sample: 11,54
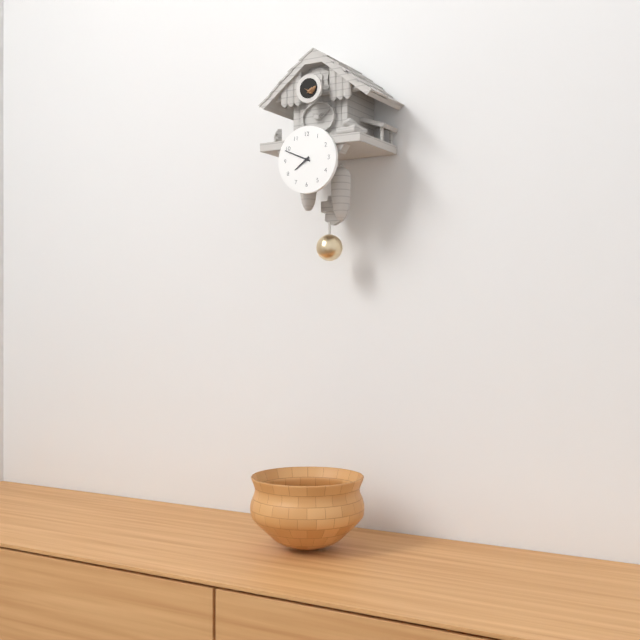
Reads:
7,49
